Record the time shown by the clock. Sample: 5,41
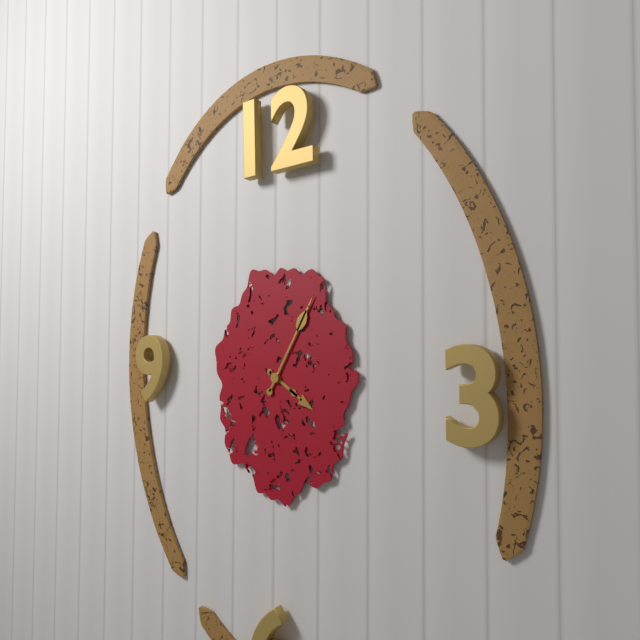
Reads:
4,05
